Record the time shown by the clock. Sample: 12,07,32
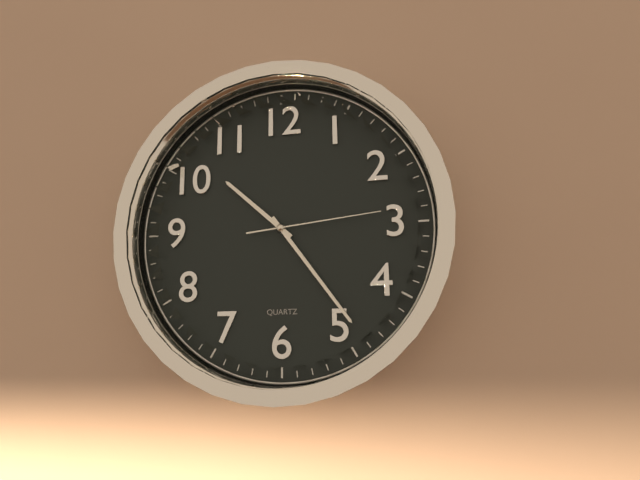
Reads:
10,24,14
